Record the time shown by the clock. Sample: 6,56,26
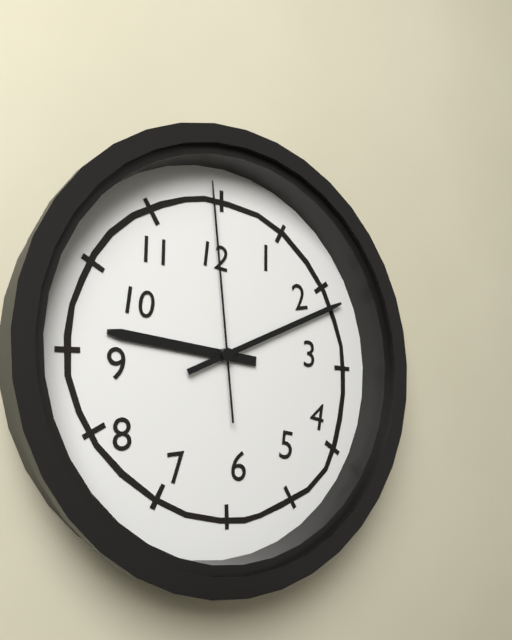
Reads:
9,11,59
